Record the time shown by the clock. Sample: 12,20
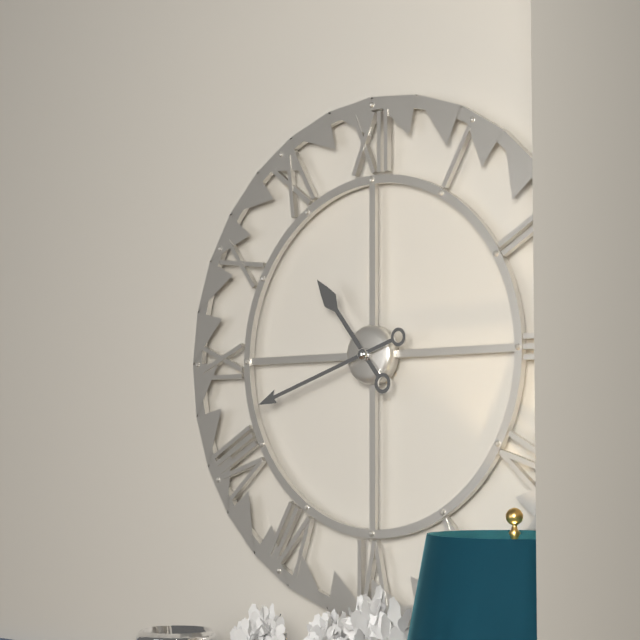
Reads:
10,42
